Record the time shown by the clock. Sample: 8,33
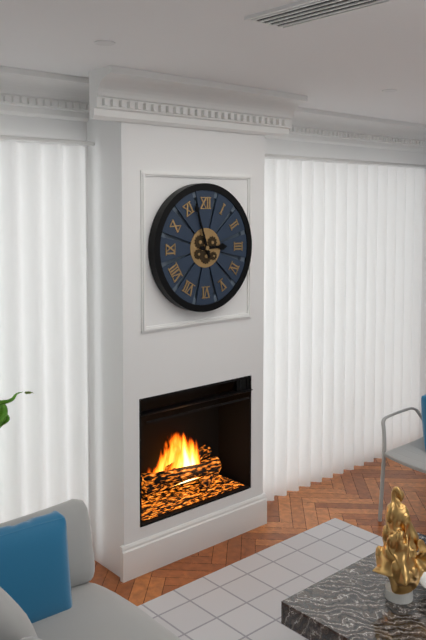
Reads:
2,57
